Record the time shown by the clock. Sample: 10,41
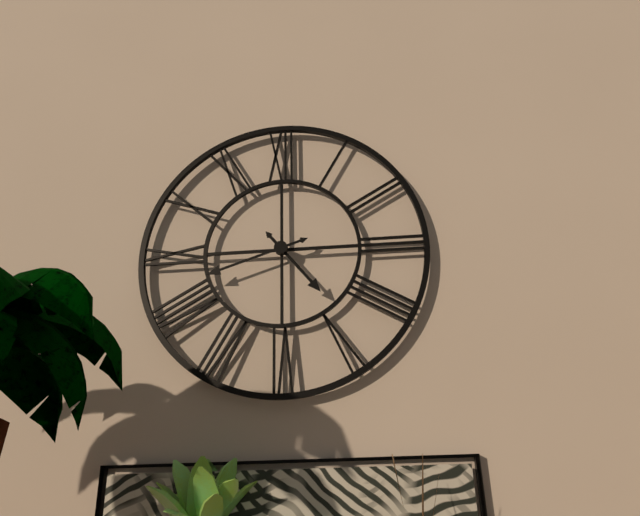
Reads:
4,42
